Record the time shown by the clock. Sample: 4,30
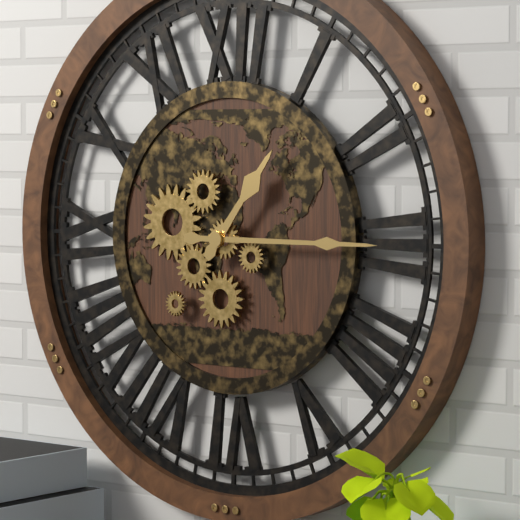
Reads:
1,15
